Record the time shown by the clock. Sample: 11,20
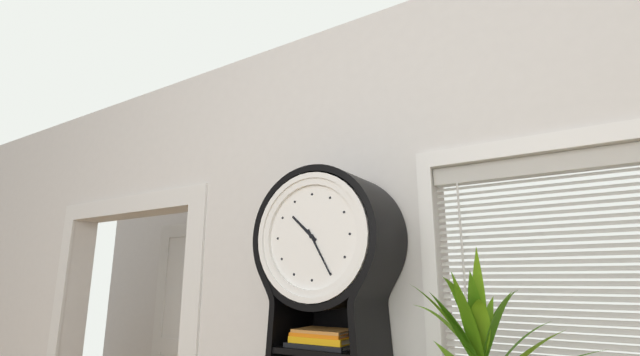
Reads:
10,25
